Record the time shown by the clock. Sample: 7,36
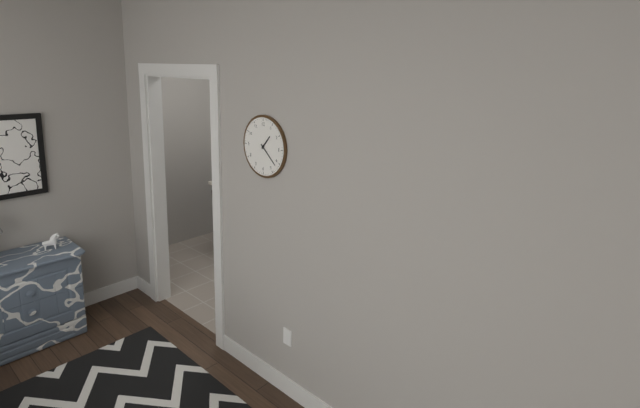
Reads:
1,22
